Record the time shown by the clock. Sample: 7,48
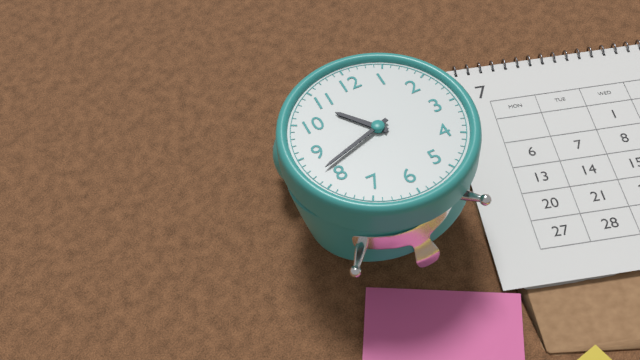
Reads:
10,42
